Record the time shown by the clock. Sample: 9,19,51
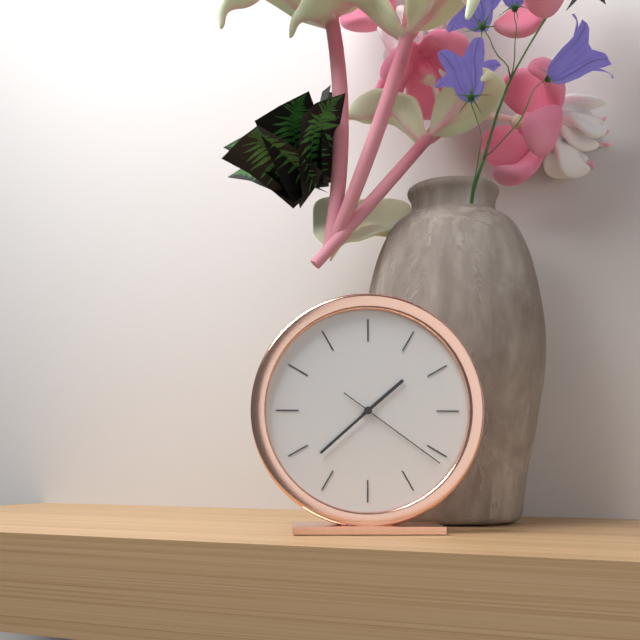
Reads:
1,38,21
